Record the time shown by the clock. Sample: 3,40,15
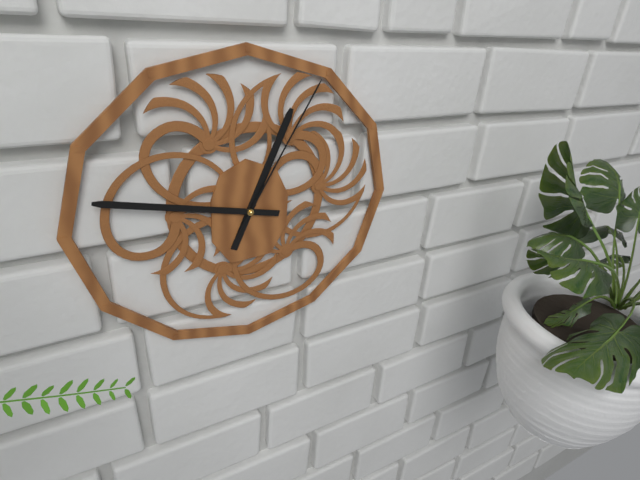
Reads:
12,47,05
